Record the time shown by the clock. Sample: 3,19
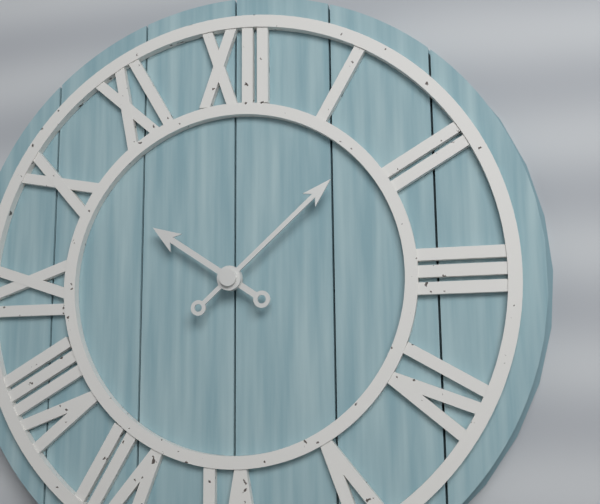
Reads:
10,08
